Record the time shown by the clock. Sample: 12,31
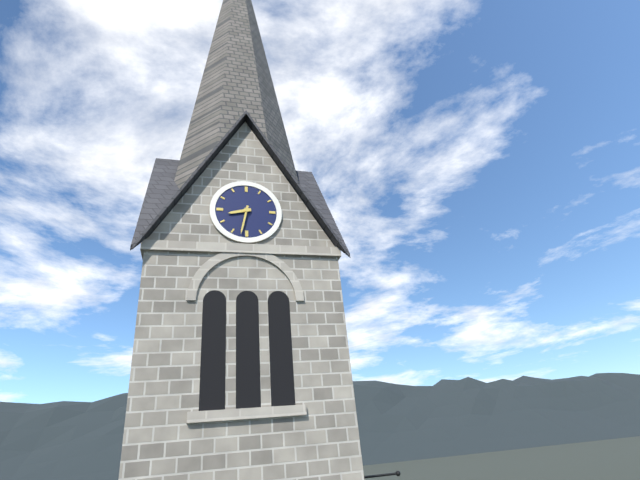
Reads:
8,32
